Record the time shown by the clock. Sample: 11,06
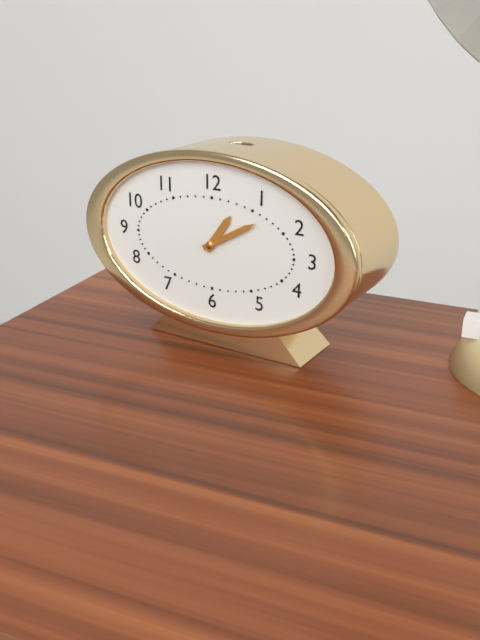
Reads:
1,10
